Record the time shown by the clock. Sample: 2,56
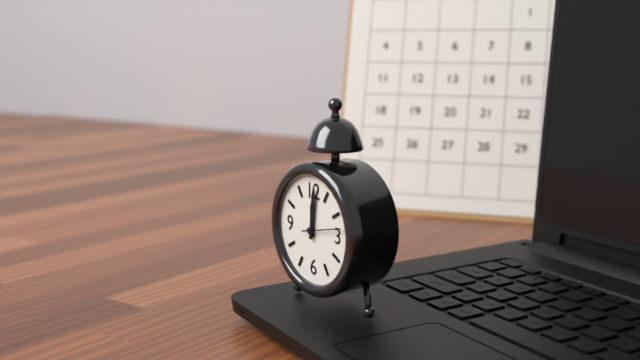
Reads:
12,01
